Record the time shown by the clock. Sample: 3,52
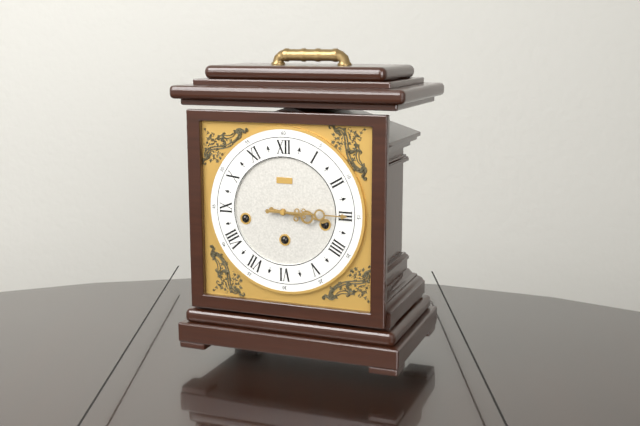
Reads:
3,15
